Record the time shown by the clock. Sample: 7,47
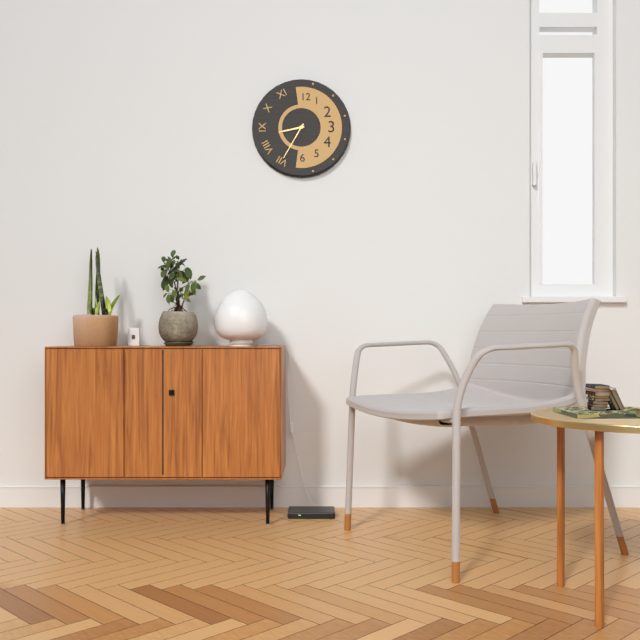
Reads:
8,35
